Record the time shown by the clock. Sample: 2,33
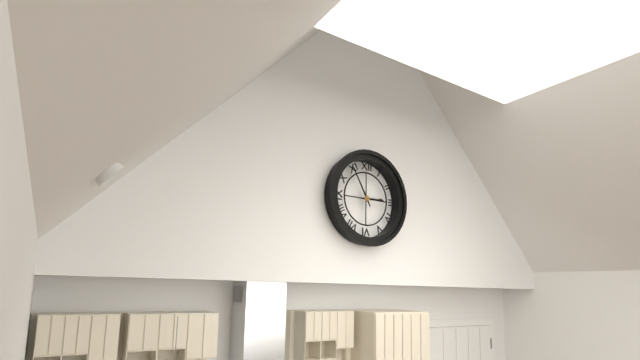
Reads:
2,55
